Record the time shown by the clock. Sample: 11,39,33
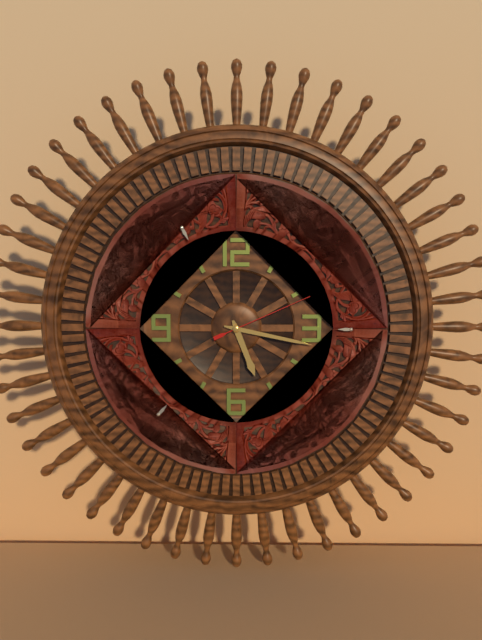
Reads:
5,17,11
